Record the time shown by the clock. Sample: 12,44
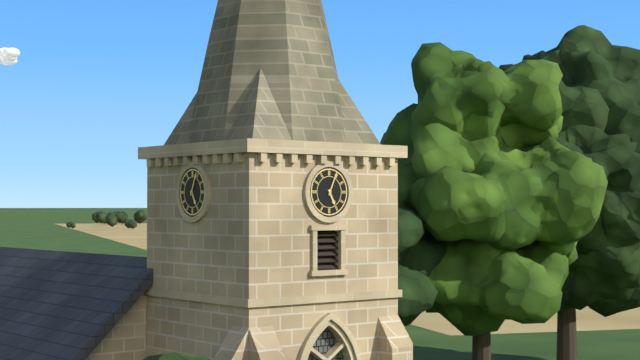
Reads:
5,04
